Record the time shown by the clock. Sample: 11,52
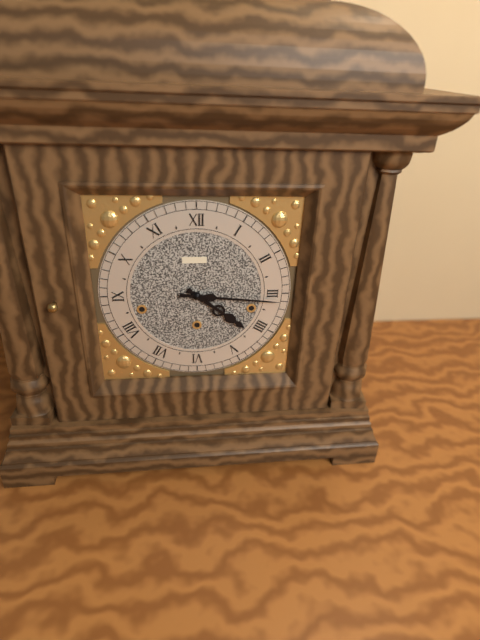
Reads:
4,16
